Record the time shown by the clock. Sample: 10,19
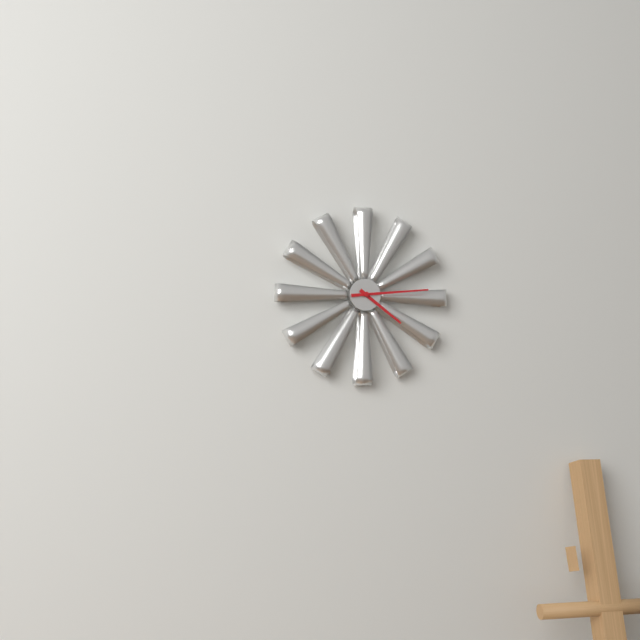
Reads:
4,14
